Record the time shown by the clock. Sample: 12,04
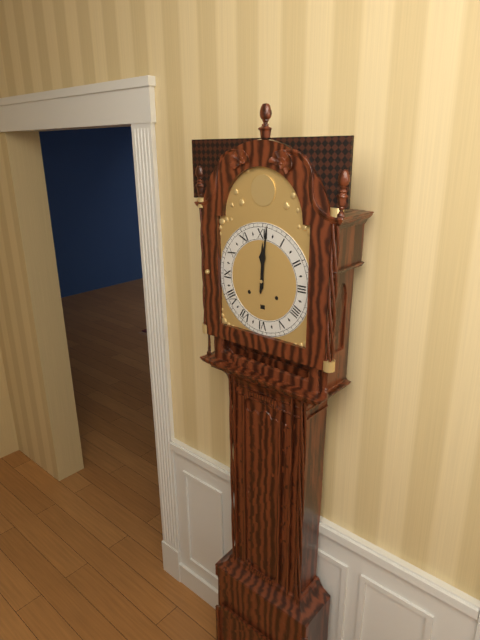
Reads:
12,01
